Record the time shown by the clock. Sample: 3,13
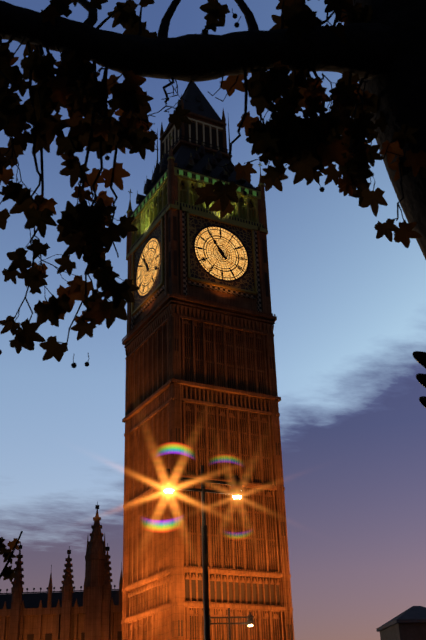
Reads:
10,54
